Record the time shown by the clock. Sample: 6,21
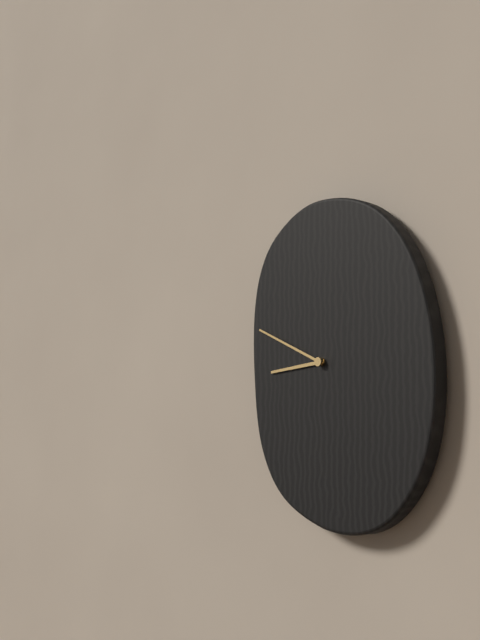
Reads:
8,49
